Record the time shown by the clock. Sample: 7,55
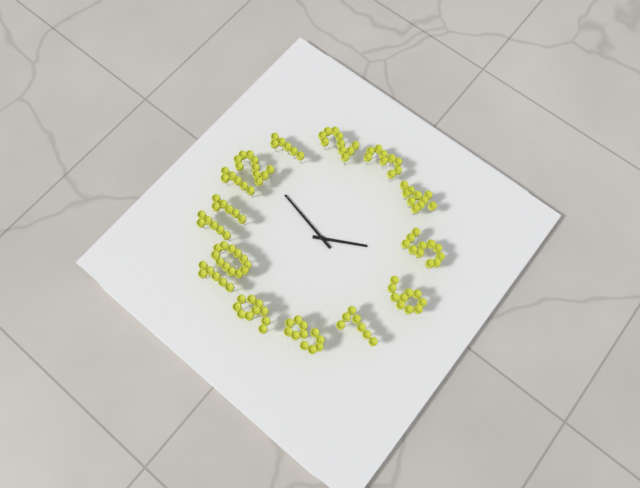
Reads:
5,02
